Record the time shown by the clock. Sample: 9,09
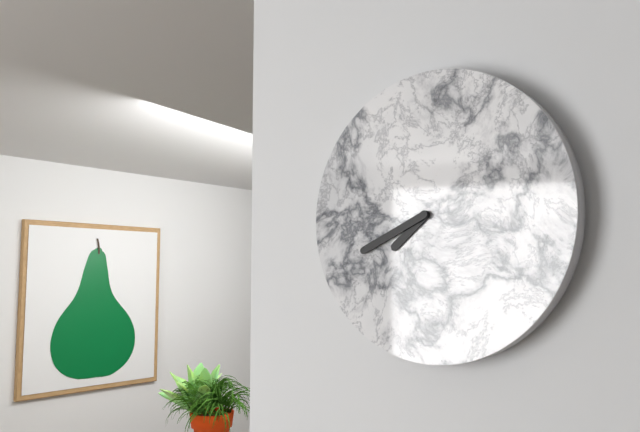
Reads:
7,41
